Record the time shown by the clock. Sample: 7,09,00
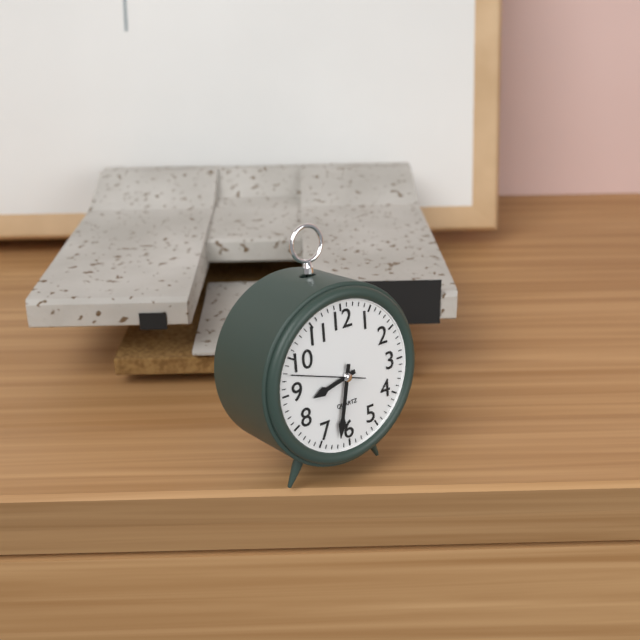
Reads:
8,32,48
